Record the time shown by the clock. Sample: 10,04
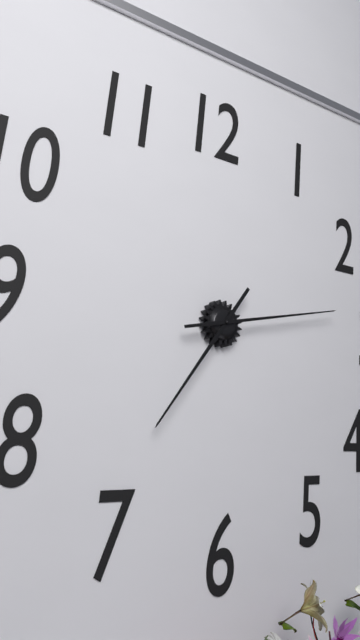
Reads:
7,13
